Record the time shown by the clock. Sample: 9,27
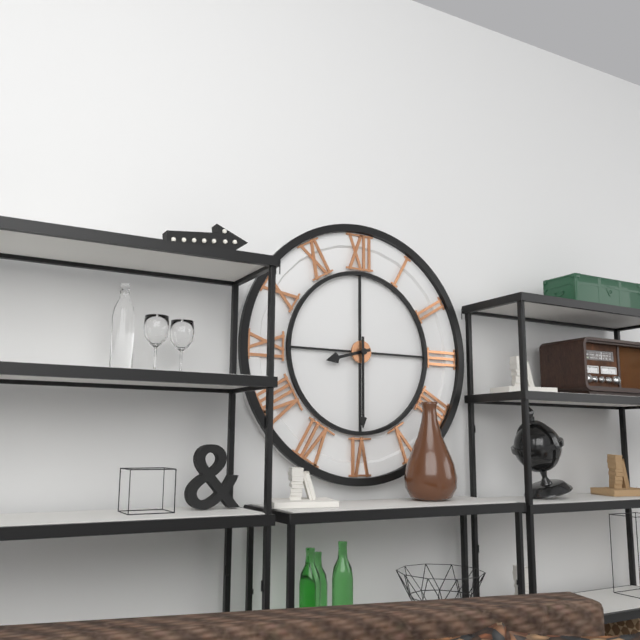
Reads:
8,30
